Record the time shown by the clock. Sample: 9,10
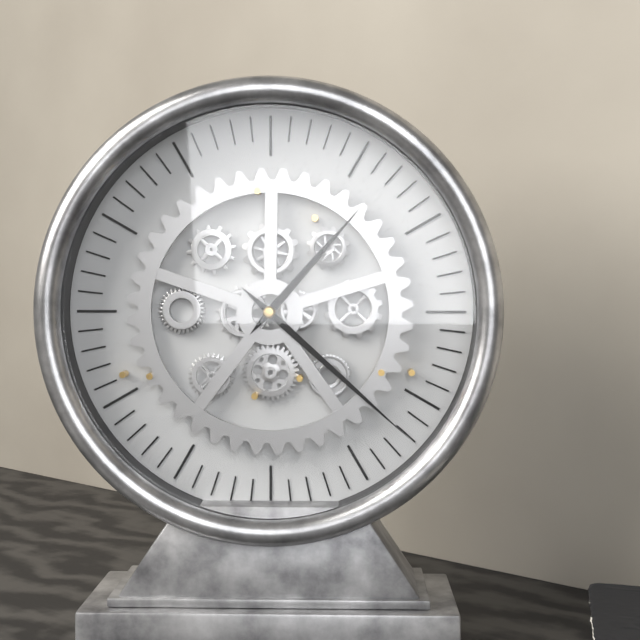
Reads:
1,22
